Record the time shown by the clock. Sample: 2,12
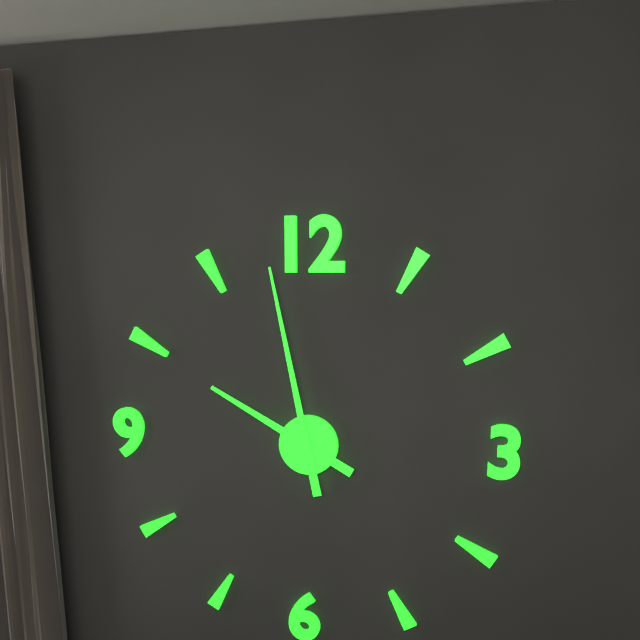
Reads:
9,58
